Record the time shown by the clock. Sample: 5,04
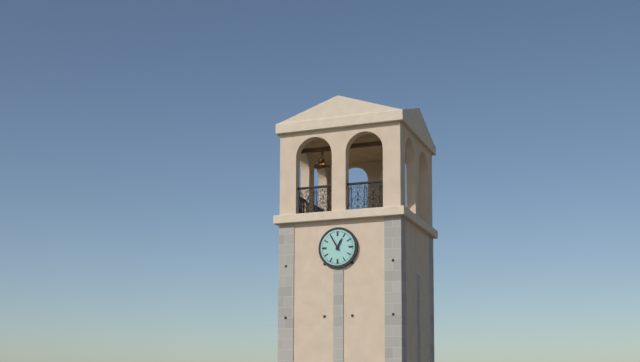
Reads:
12,55
